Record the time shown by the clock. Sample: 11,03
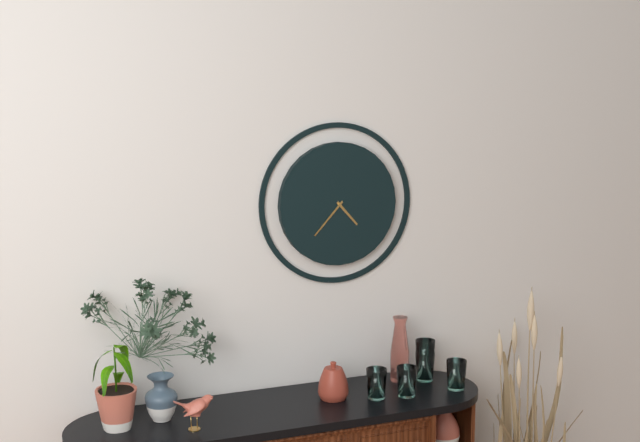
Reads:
4,37
